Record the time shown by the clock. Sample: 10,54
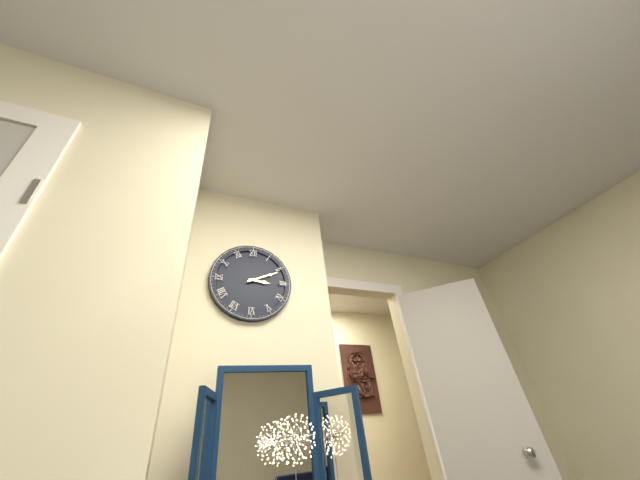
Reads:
3,11
